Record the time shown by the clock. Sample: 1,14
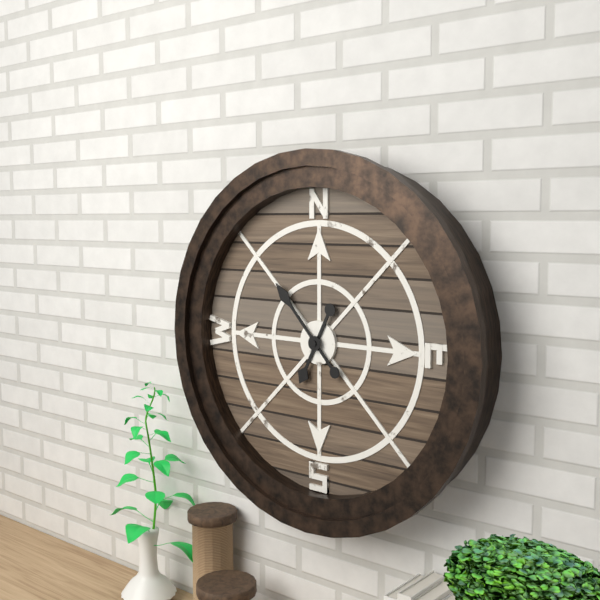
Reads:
6,53
